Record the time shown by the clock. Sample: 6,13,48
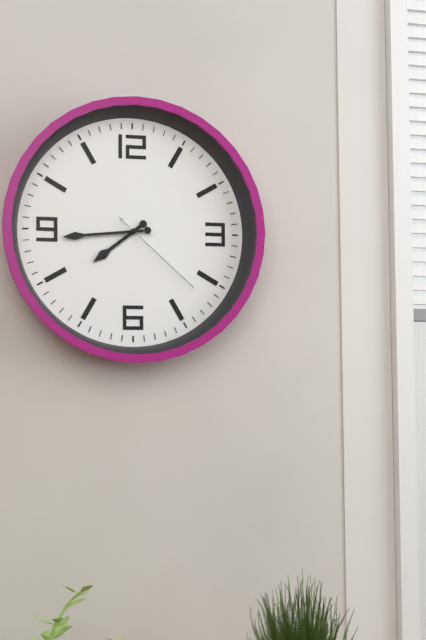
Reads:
7,44,22
